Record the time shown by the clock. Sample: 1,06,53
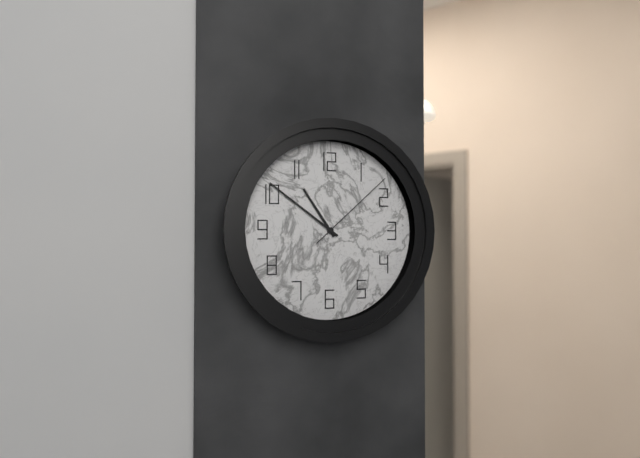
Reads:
10,51,08
